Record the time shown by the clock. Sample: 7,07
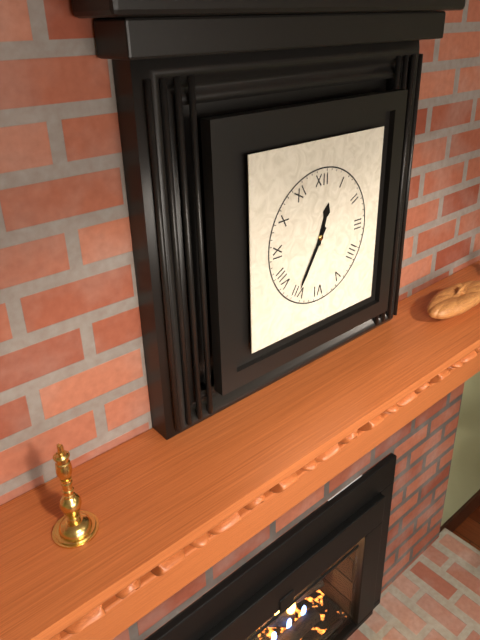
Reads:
12,35
